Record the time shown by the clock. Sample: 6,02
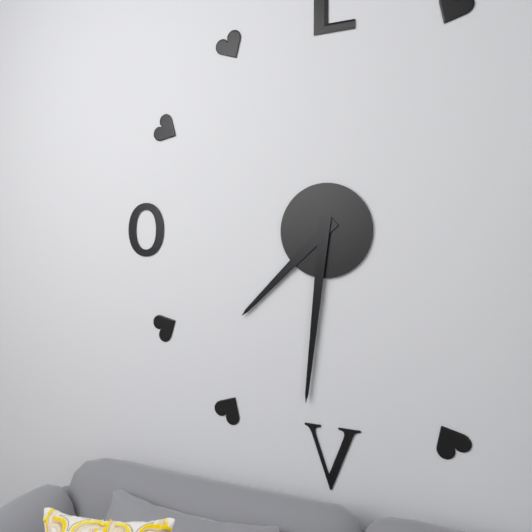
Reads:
7,31
